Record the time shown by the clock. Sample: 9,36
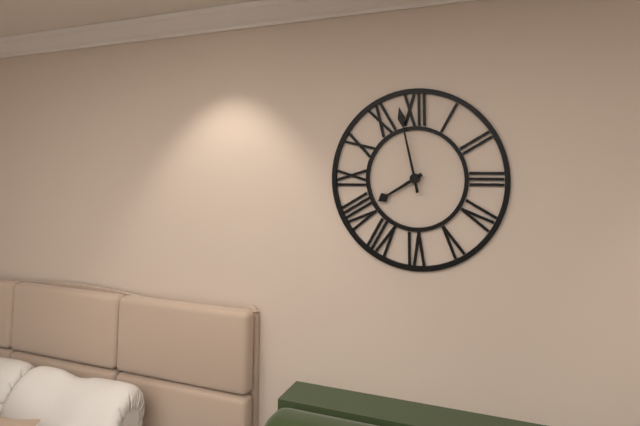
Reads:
7,58
